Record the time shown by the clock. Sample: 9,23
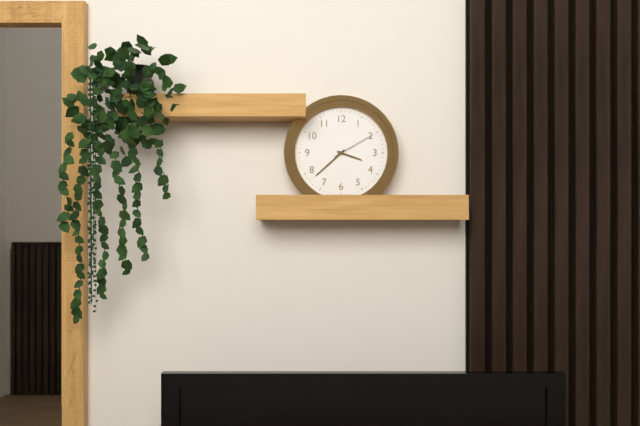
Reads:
3,38
